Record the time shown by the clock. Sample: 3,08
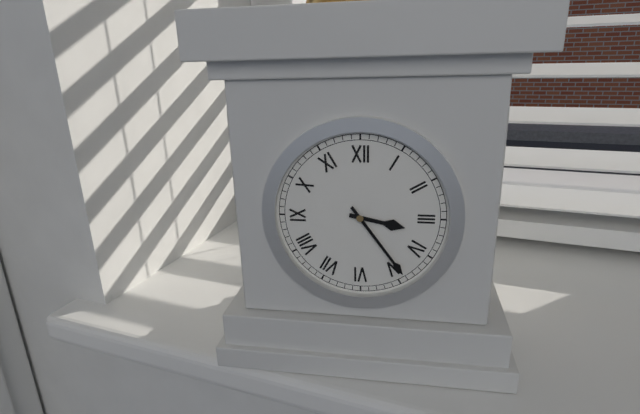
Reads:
3,24
